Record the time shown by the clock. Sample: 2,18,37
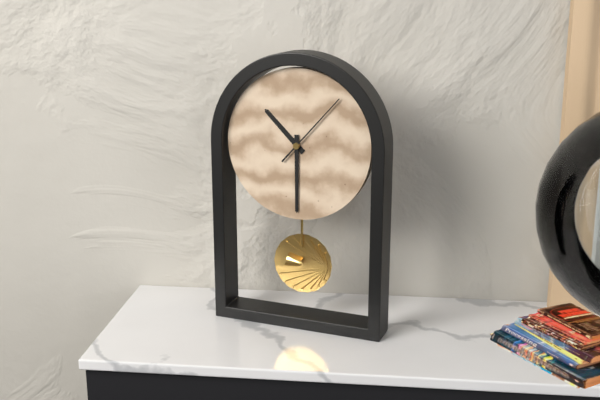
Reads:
10,30,07
